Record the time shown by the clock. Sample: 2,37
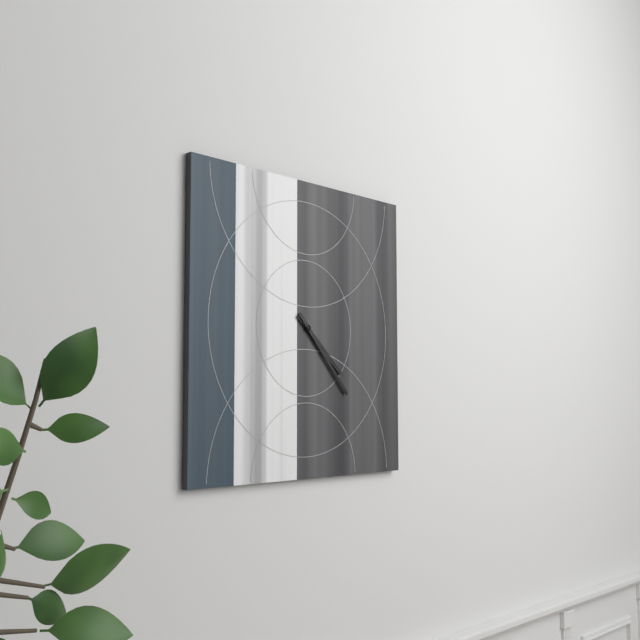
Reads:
4,23
